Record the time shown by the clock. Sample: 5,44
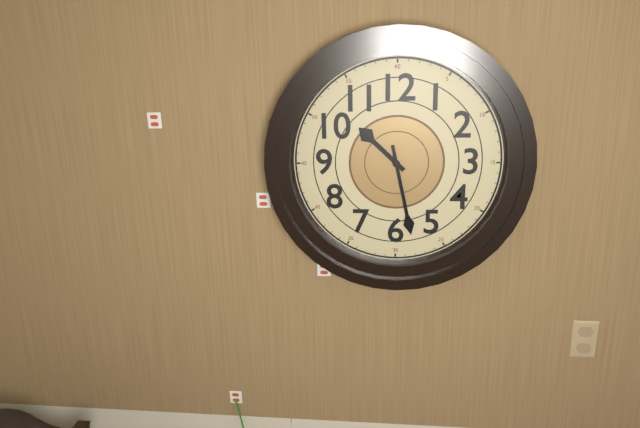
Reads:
10,28
